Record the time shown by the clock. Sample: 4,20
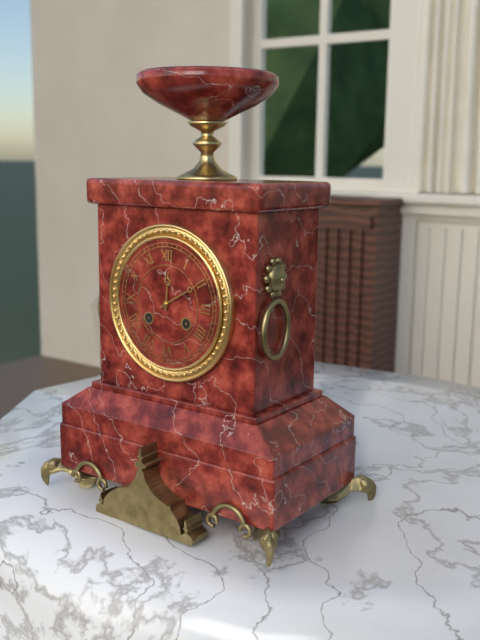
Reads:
12,10
